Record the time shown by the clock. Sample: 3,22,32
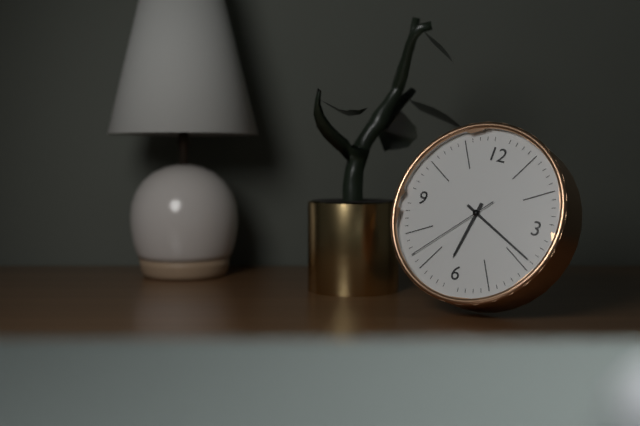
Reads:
6,19,37
